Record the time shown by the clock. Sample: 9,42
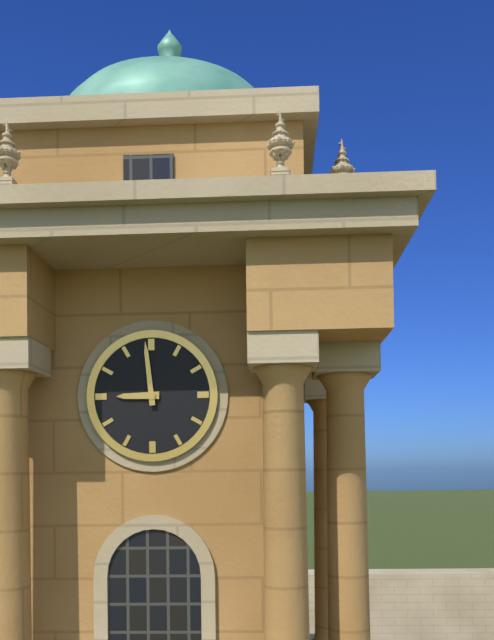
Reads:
8,59
